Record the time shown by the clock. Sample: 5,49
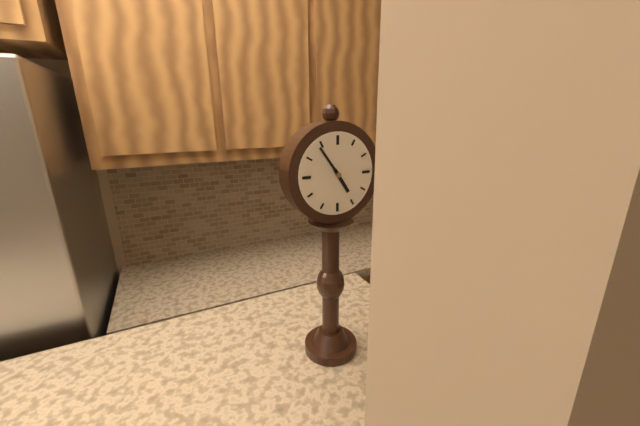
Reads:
4,54
